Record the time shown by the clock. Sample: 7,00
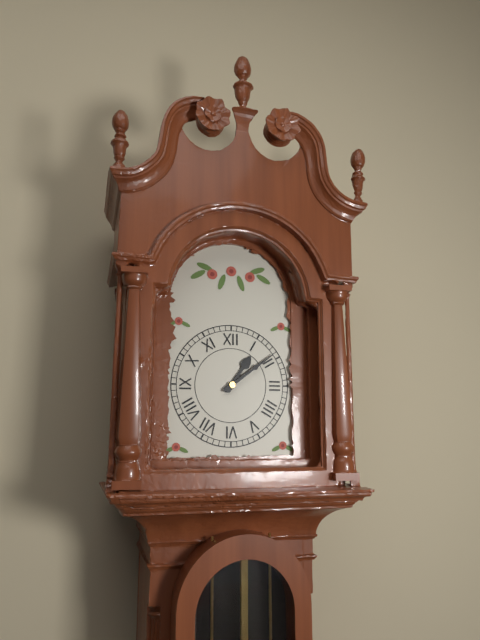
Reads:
1,09
